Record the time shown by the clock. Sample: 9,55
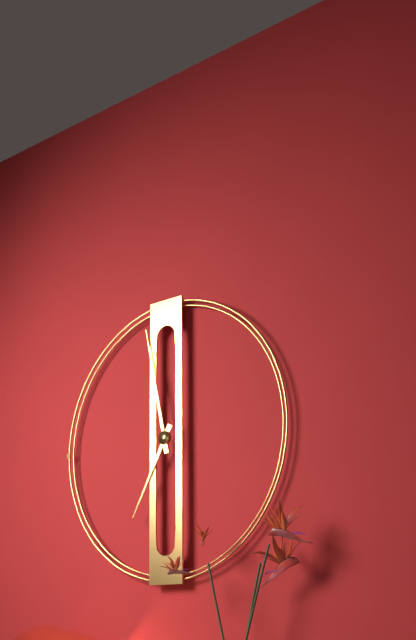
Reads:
6,58
